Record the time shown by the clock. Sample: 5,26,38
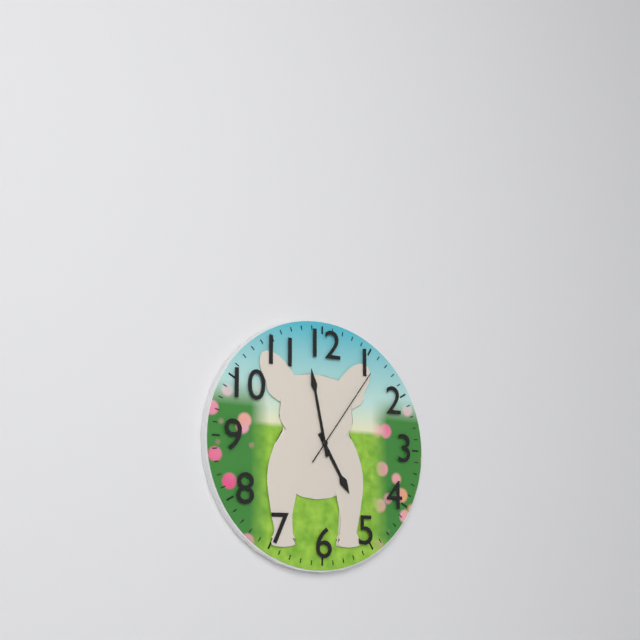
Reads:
4,58,06
